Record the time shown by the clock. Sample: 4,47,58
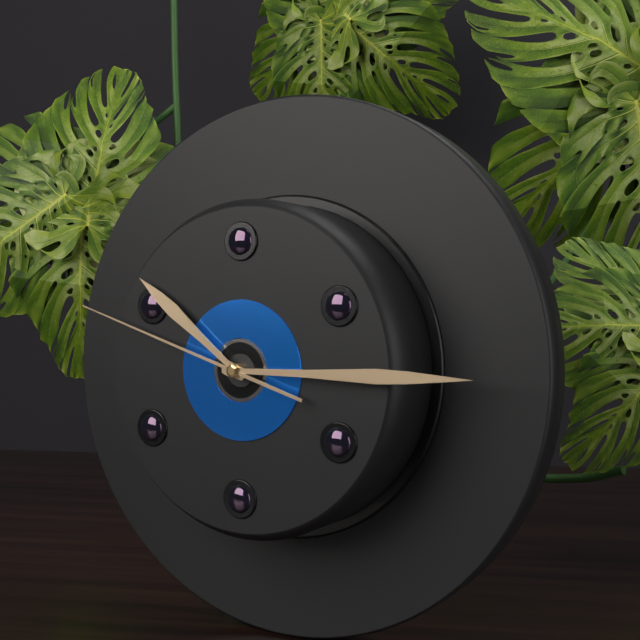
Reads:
10,15,48
